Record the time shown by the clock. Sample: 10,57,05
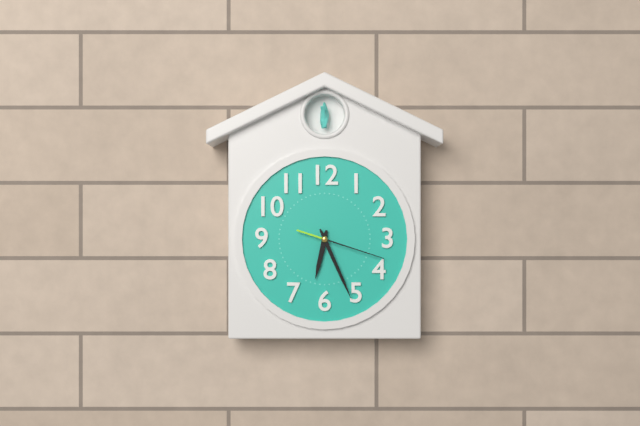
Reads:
6,26,18
